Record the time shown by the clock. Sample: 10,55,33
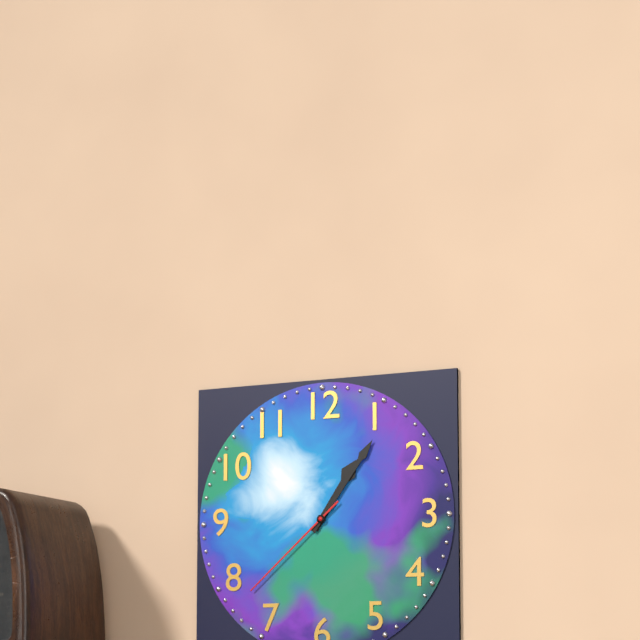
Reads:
1,06,38
